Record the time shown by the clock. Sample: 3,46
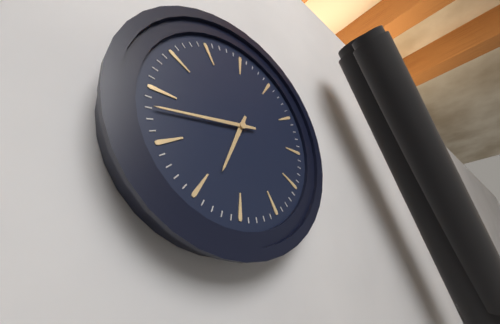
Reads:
6,43
